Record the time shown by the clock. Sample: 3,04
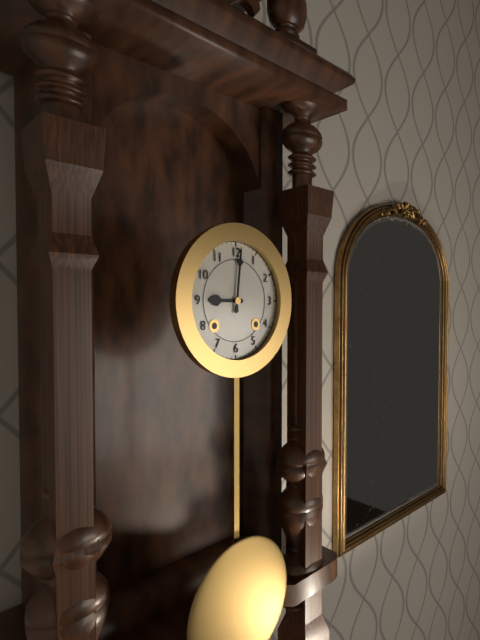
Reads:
9,01
